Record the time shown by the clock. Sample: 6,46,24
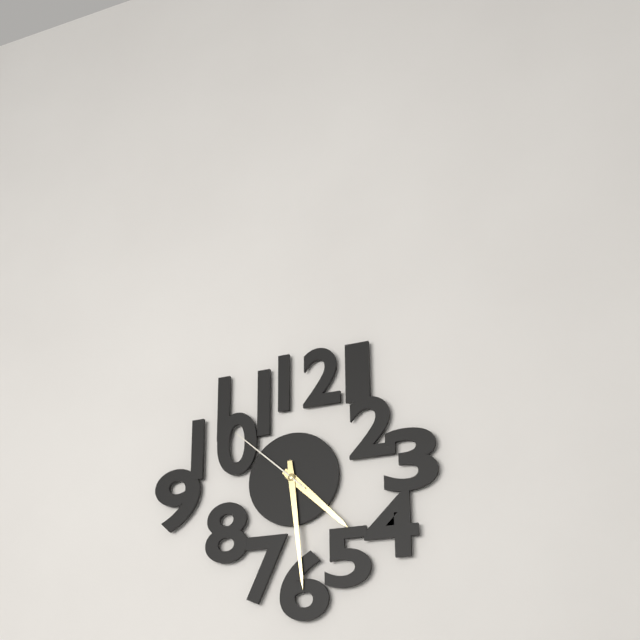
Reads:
4,29,52
